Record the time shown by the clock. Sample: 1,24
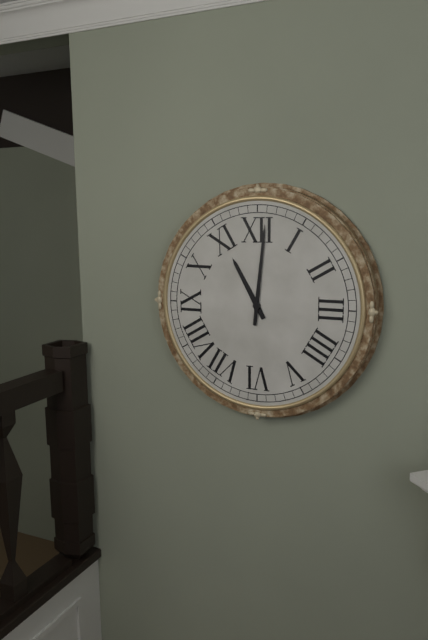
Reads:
11,01
